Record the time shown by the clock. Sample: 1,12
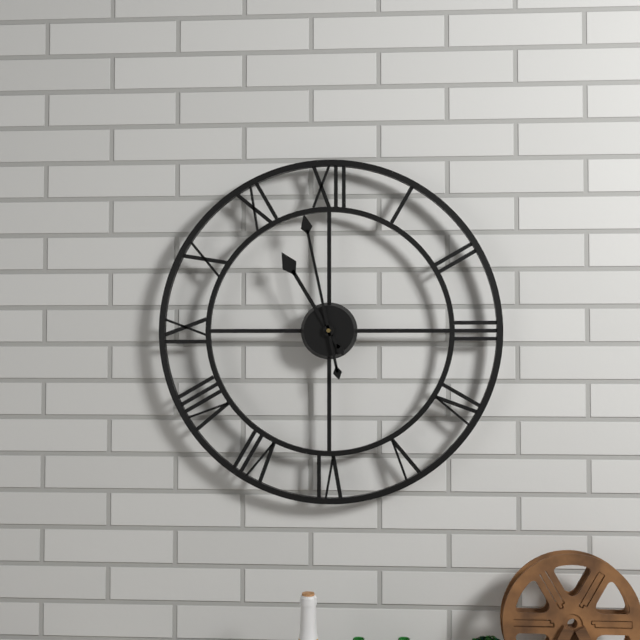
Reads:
10,58
